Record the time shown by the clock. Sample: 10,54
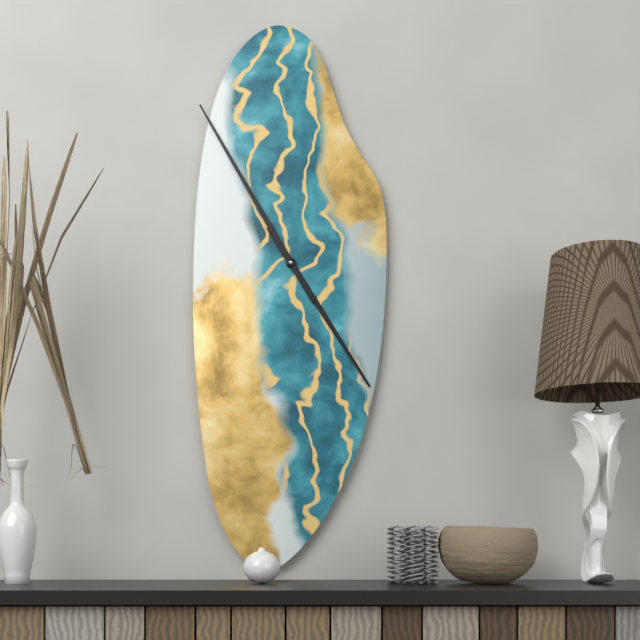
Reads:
4,55
